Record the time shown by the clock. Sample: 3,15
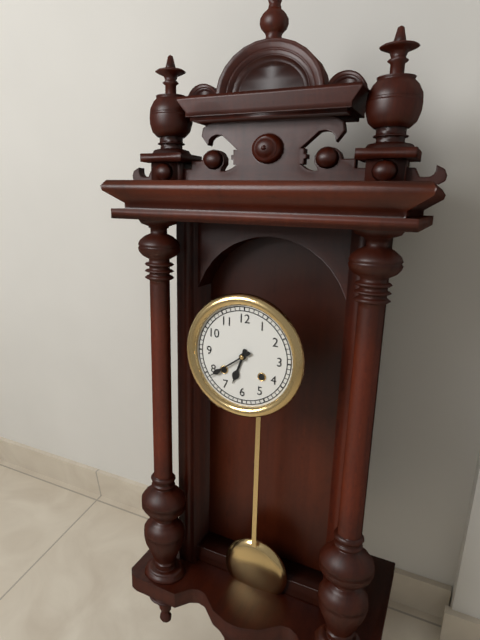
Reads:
6,39
